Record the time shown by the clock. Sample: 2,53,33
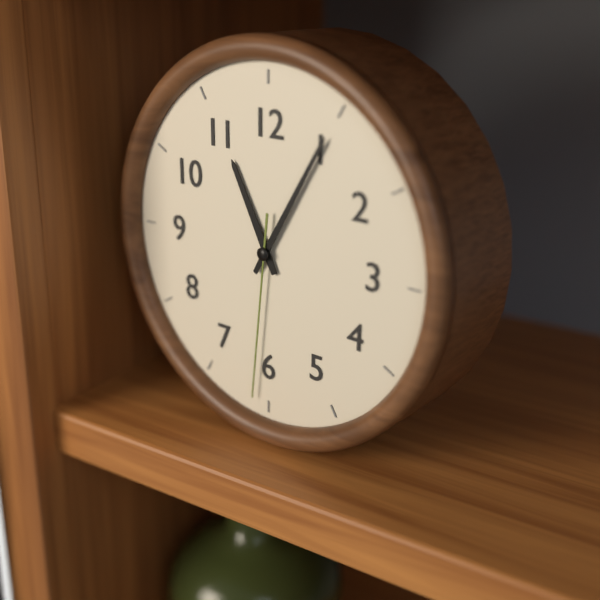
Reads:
11,05,31
